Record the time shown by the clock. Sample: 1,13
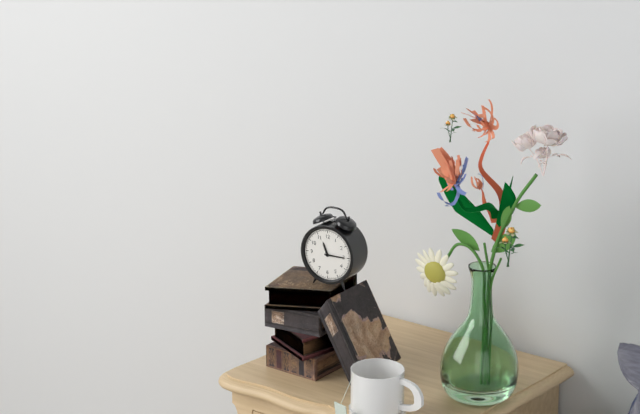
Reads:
11,15
